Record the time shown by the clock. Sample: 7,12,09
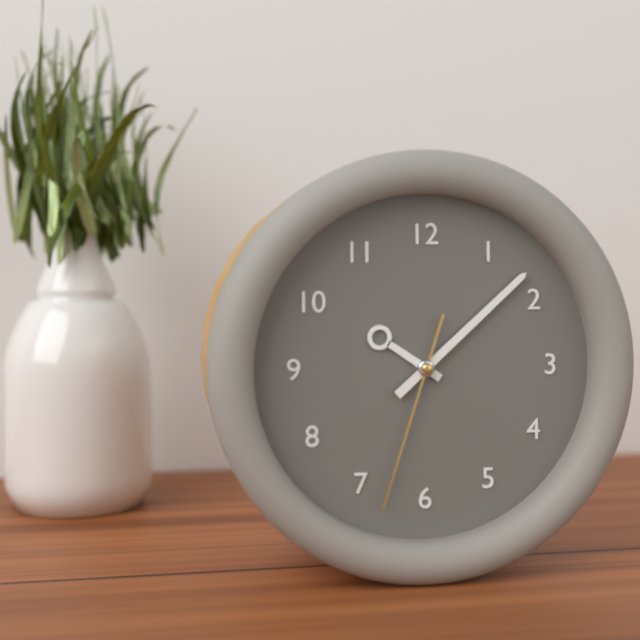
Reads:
10,08,33
